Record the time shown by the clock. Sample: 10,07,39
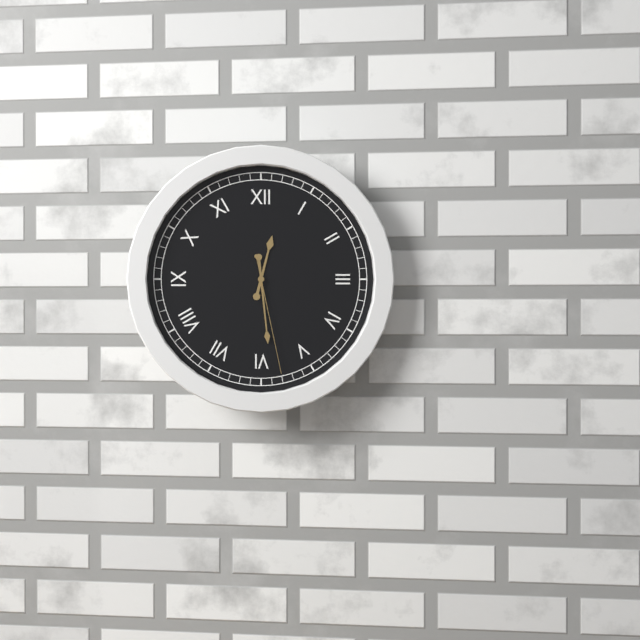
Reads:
12,29,28
